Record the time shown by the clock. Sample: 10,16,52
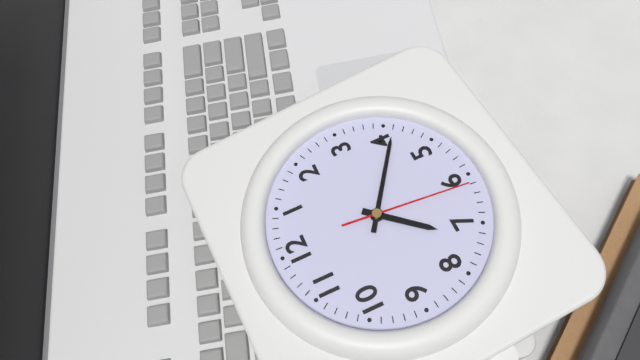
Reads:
7,21,31
